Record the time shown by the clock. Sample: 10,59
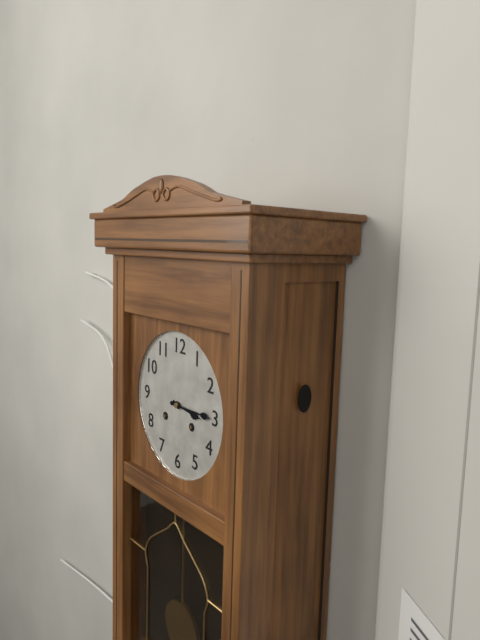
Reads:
3,15
